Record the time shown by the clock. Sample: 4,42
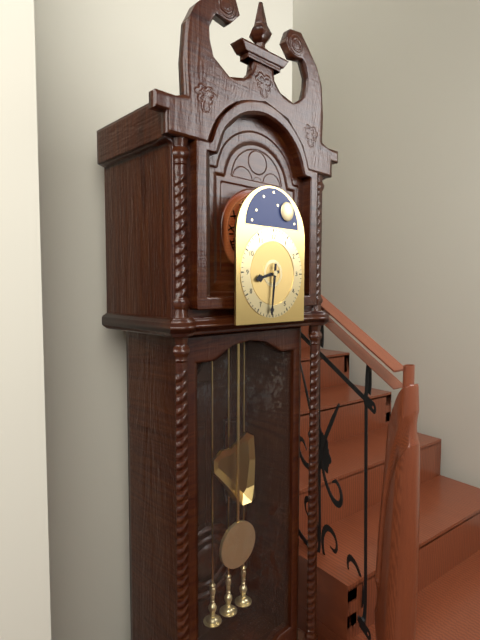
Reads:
8,31
